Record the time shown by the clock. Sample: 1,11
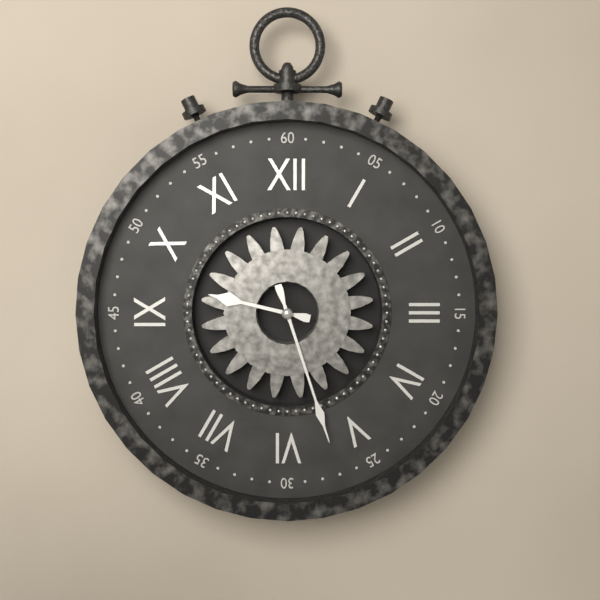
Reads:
9,27
